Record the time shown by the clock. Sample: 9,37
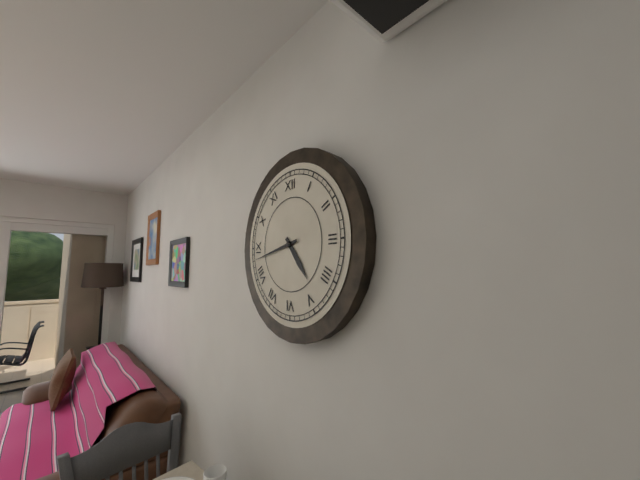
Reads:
4,43
